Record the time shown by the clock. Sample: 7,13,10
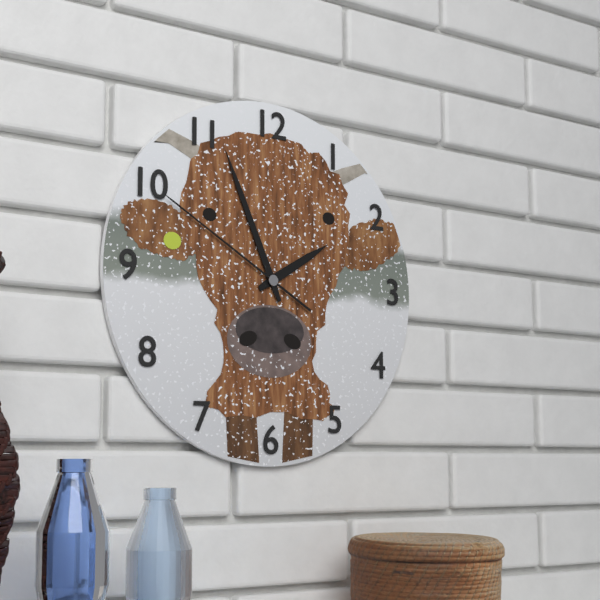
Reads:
1,56,50
